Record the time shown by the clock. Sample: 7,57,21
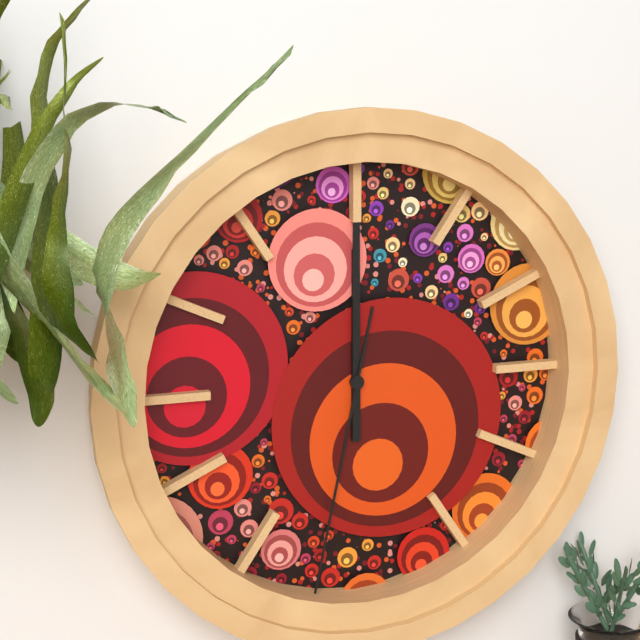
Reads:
12,00,32
